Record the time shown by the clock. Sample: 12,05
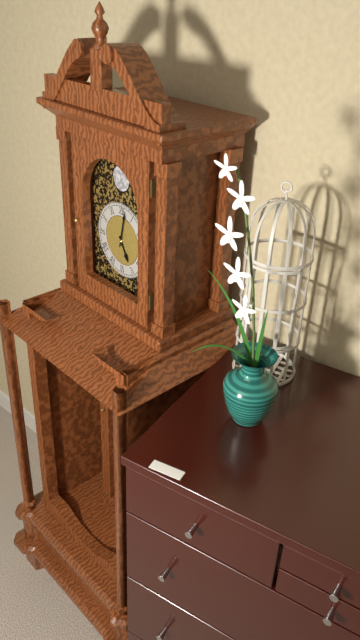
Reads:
5,02
